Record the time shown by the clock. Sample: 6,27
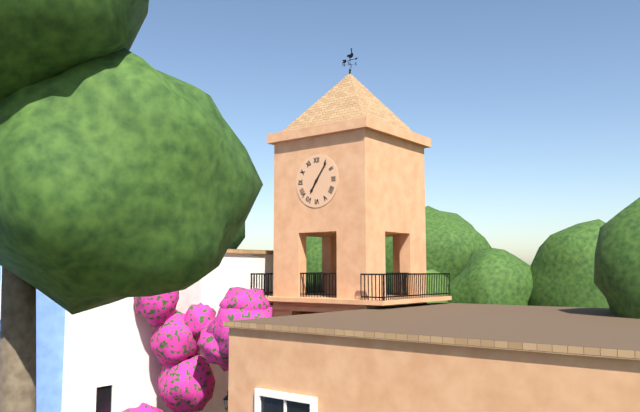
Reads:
7,06
